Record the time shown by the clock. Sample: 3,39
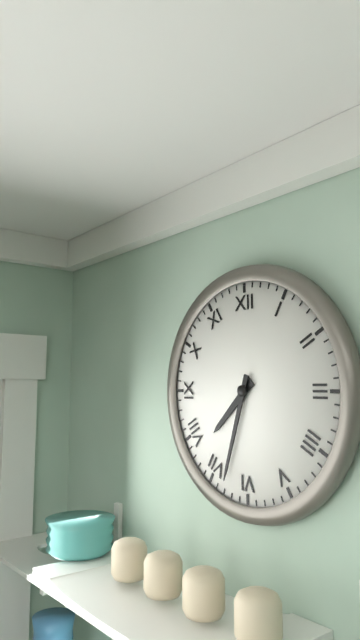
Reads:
7,33
